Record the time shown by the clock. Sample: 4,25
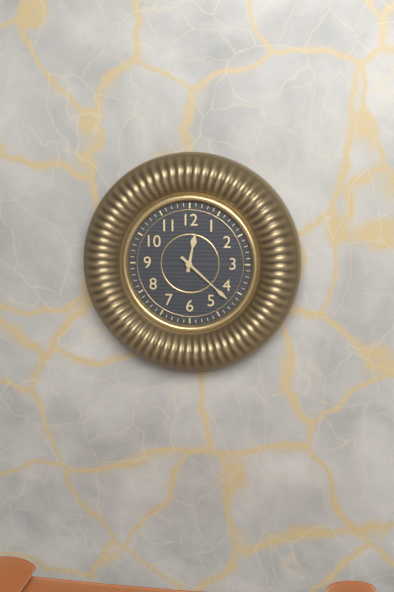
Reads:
12,22
